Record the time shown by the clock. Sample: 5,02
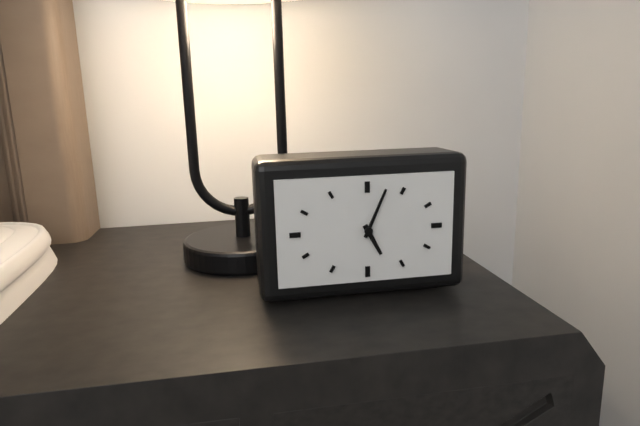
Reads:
5,04
